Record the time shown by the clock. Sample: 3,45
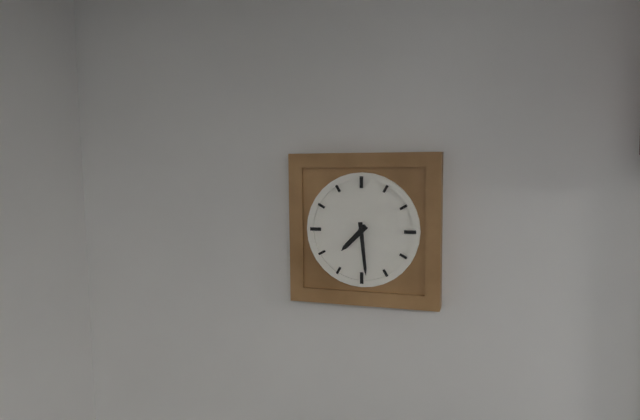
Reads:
7,29
